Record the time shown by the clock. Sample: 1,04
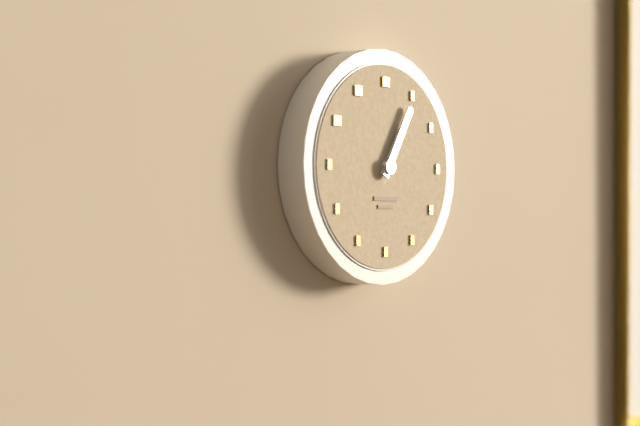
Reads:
1,05
